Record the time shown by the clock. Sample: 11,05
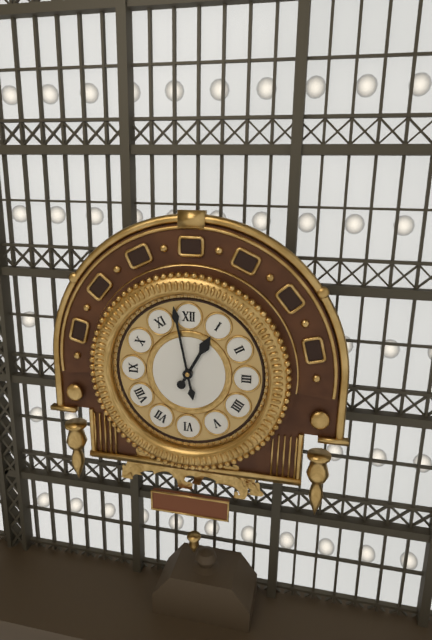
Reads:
12,58
